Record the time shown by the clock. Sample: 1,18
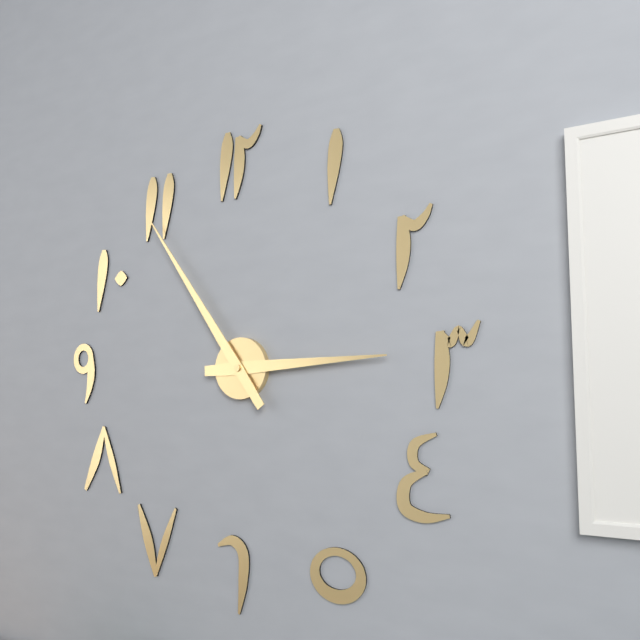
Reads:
2,54
